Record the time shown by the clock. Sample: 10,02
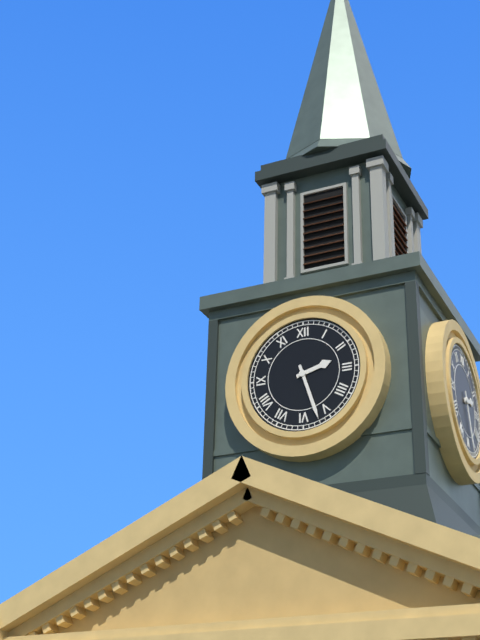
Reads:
2,27
